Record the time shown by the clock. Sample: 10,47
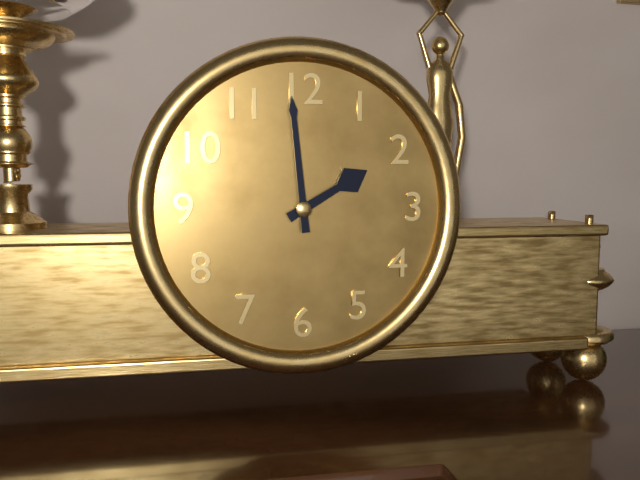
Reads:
1,59
